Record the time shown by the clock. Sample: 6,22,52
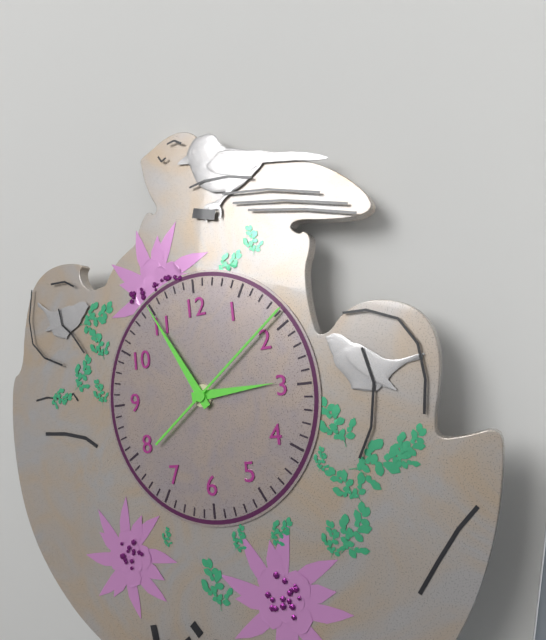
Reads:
2,55,09
